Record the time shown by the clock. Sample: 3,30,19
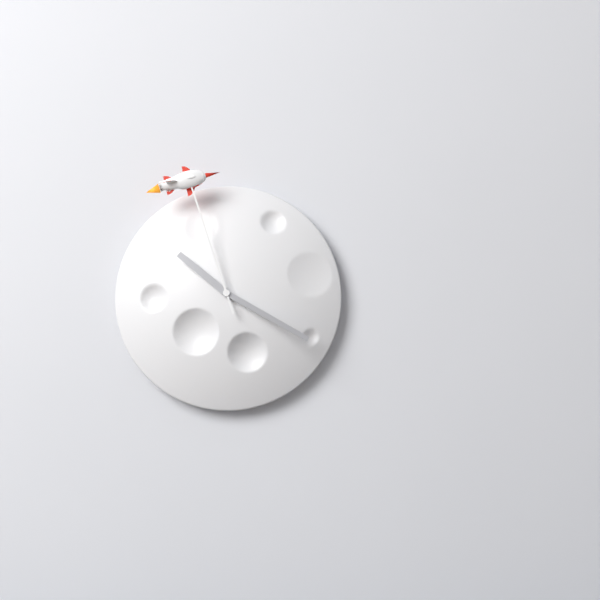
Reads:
10,20,57
